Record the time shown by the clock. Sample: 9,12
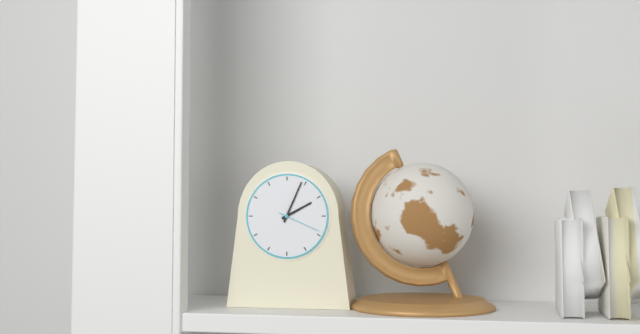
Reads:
2,04
